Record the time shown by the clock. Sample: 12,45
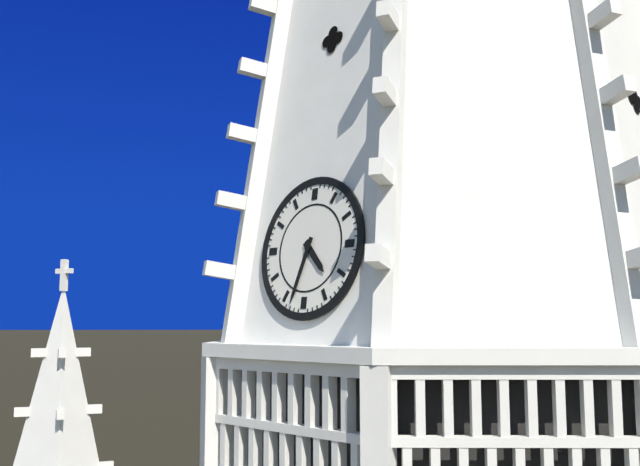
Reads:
4,33
